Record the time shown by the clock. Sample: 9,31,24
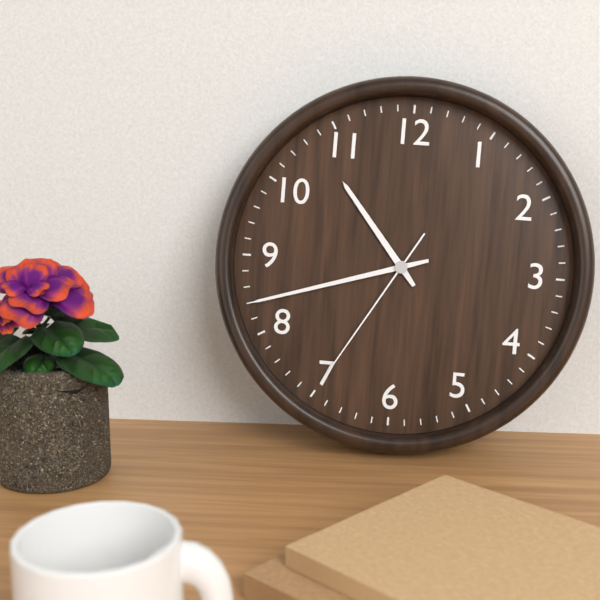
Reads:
10,42,35
